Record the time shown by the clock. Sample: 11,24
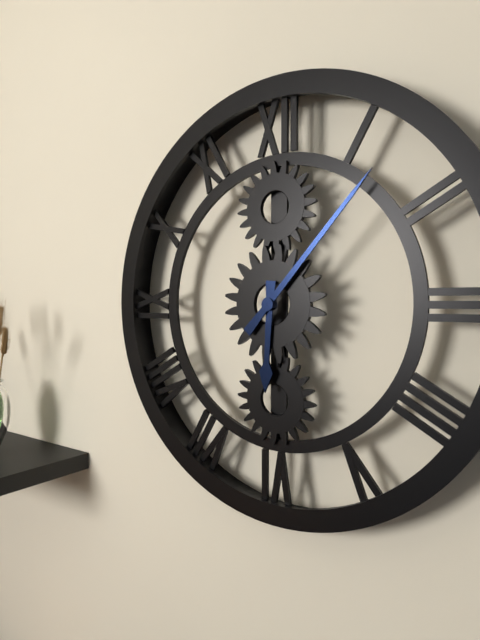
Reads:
6,07
